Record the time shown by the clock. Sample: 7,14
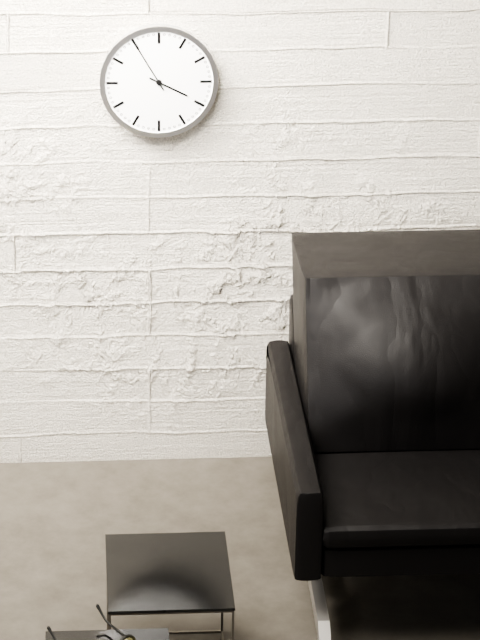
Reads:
3,55
